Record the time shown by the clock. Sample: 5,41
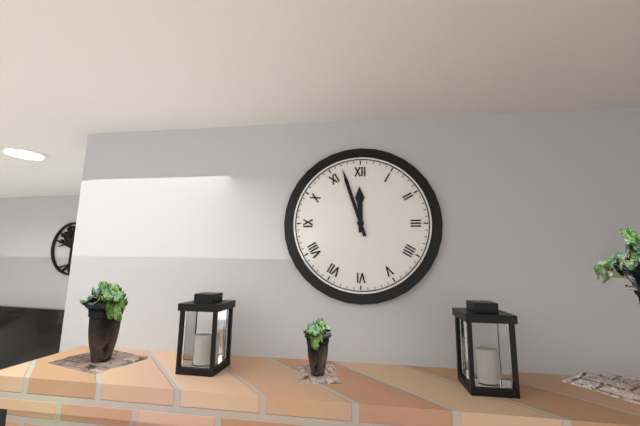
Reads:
11,57
